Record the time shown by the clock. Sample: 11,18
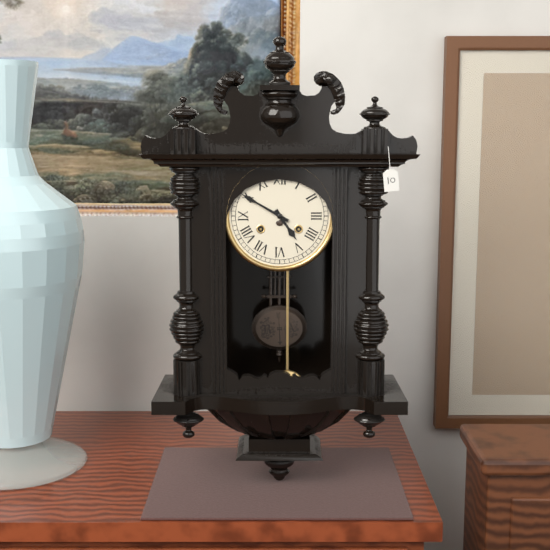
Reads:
4,50
